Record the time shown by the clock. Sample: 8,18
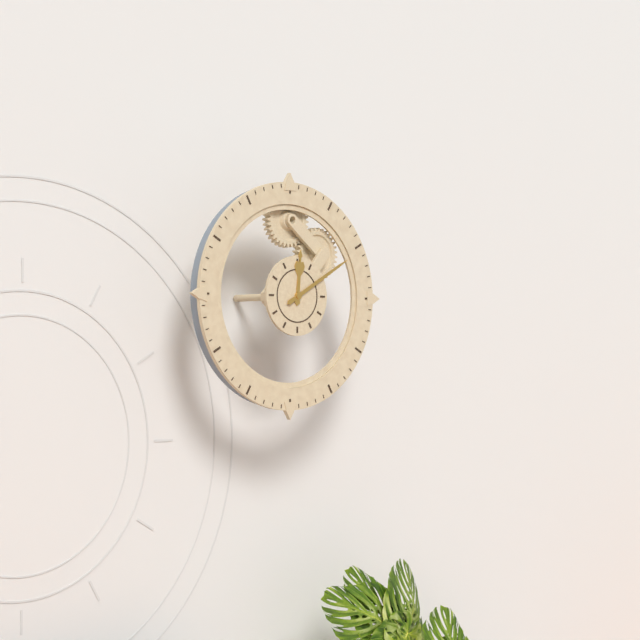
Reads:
12,10
